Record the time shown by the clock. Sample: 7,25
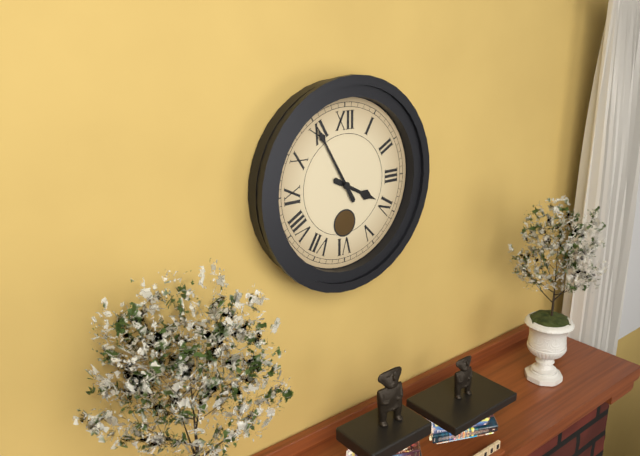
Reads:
3,55
